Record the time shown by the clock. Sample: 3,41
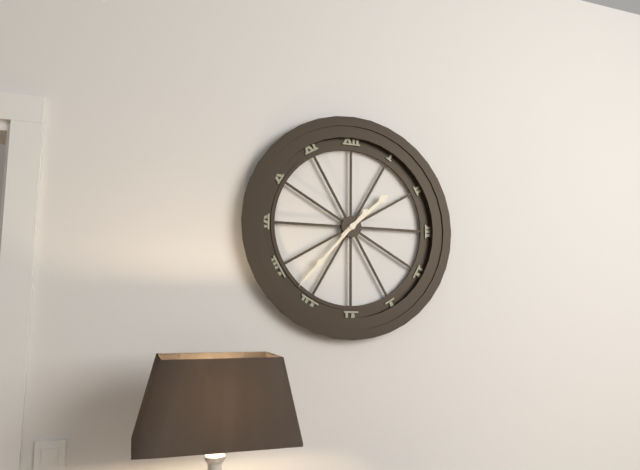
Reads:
1,37
